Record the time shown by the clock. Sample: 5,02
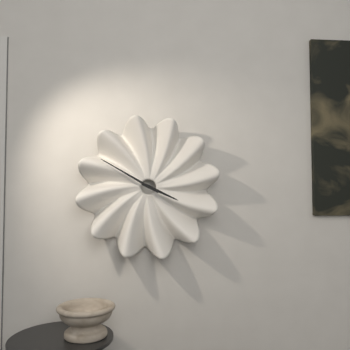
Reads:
3,50
